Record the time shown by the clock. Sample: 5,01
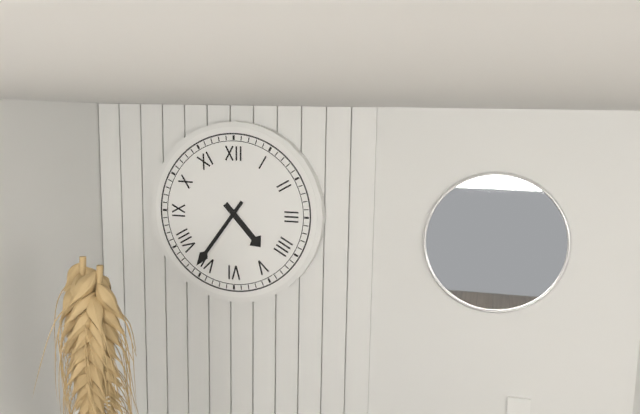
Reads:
4,36
